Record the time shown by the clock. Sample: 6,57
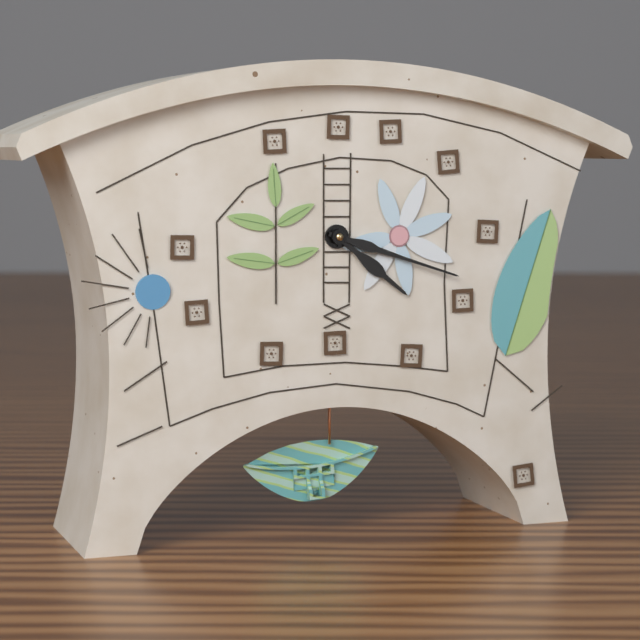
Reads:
4,18
